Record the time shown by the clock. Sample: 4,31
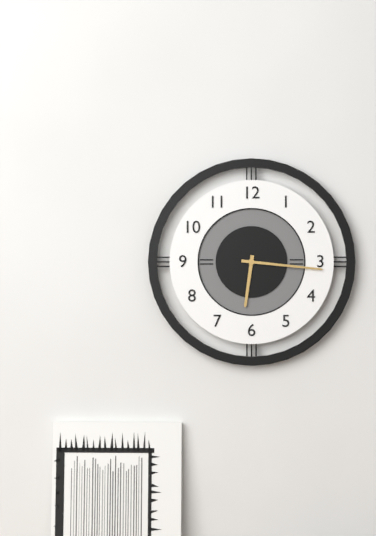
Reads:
6,16
